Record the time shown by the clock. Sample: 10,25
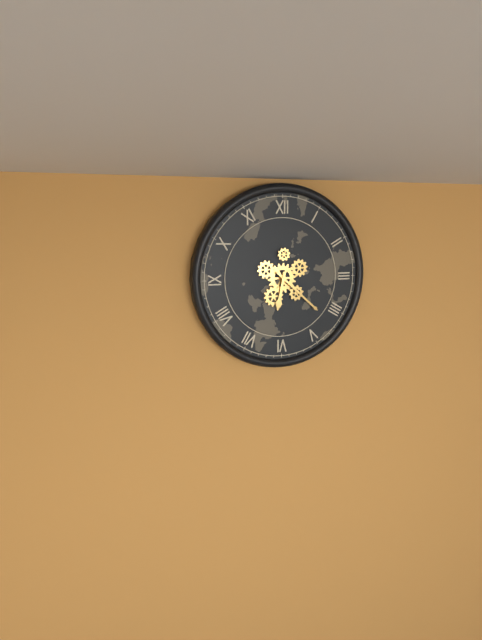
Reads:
6,22
